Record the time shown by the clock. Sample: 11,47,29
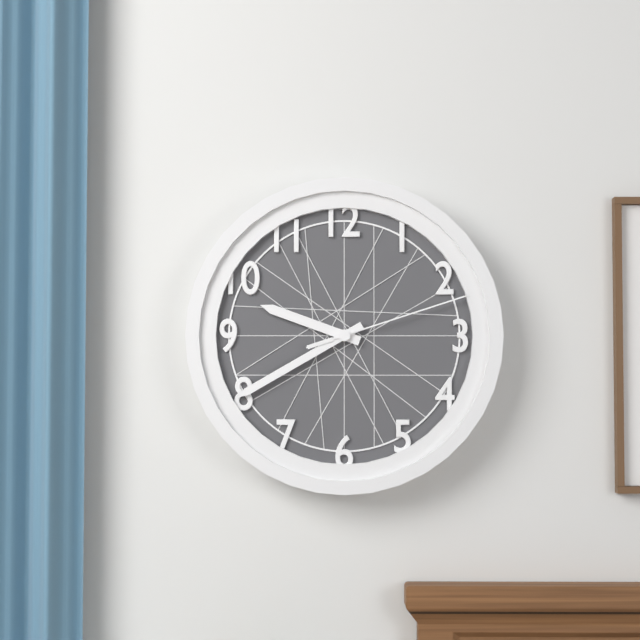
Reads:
9,40,12
